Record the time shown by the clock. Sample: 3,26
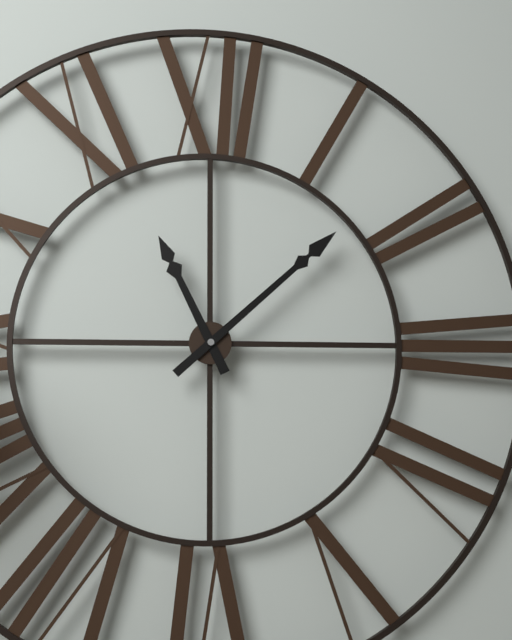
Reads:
11,08
